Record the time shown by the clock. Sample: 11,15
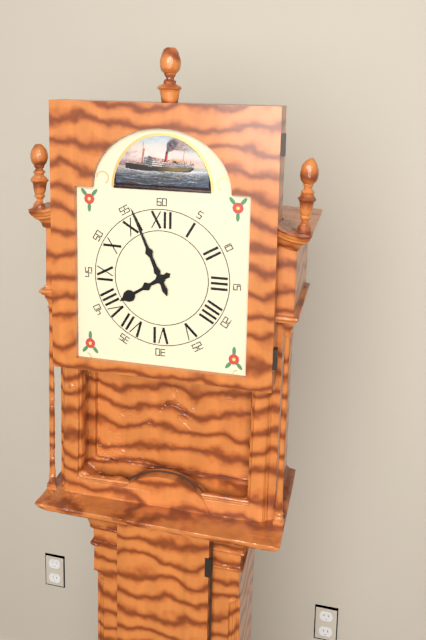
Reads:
7,56
